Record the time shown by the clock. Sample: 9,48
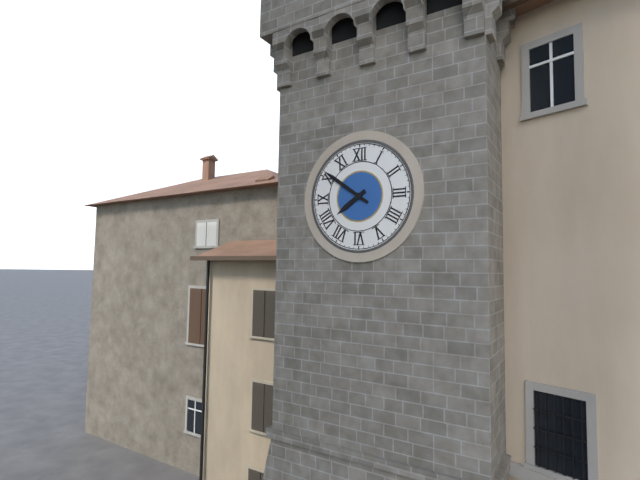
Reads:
7,51
